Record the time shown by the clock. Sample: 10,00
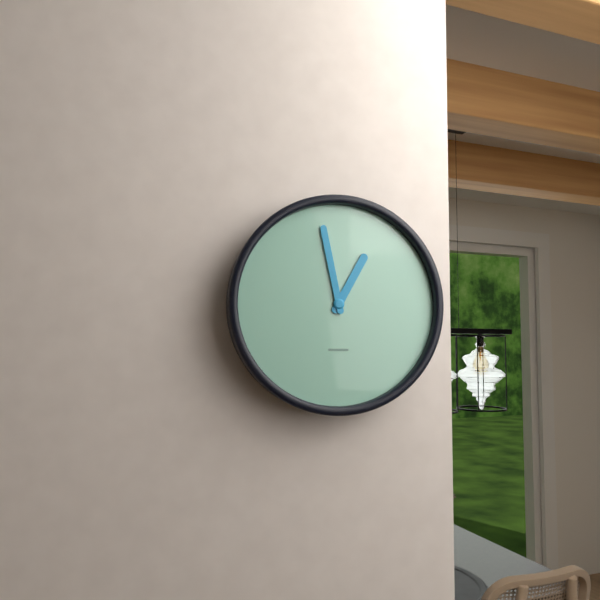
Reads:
12,58
